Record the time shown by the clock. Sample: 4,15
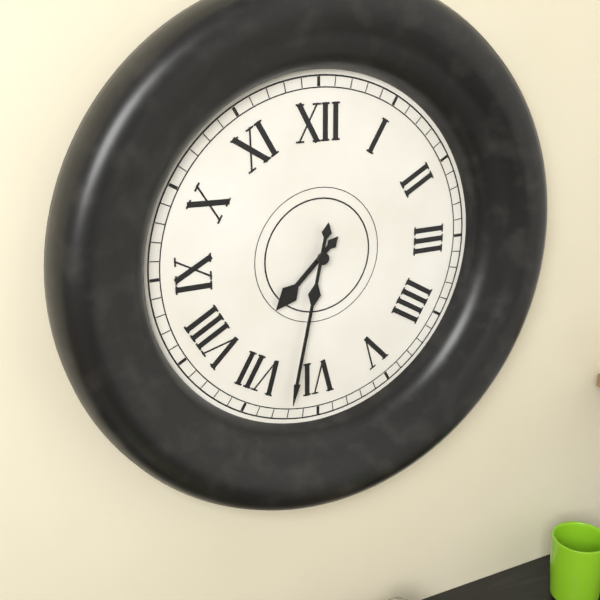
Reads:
7,32
